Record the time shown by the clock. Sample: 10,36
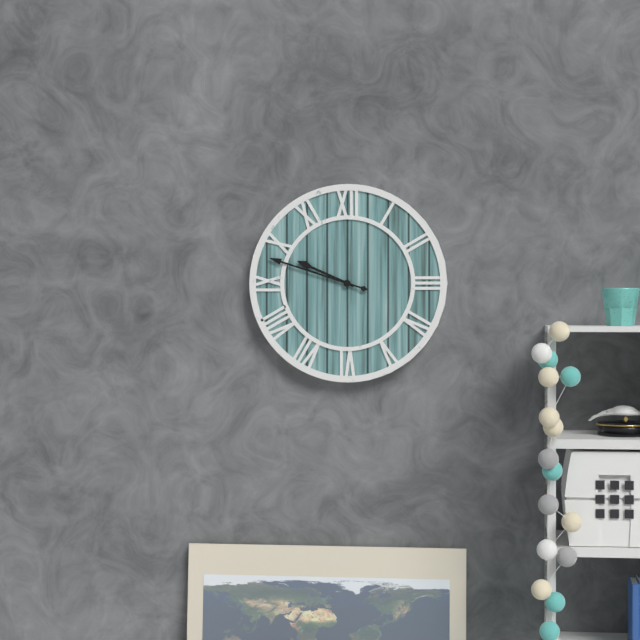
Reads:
9,48
